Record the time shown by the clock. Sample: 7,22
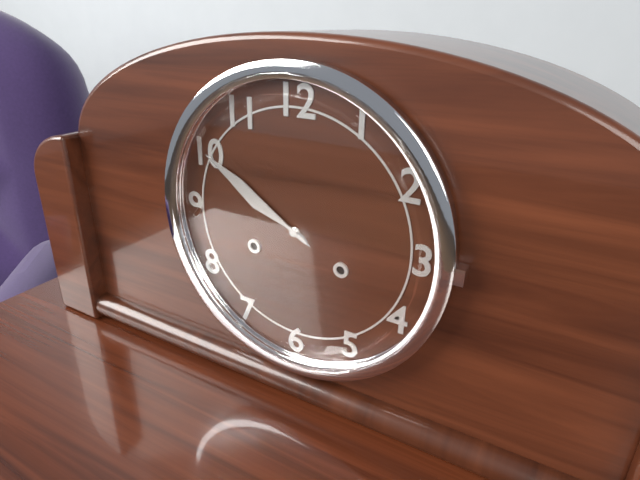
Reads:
9,50
